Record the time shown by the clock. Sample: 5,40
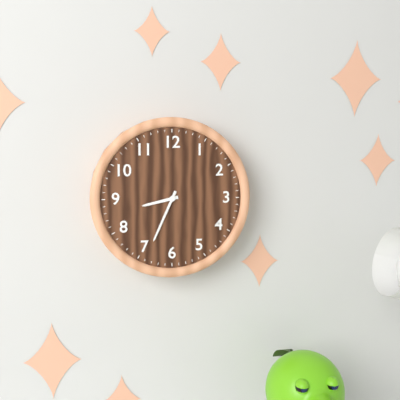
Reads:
8,34
